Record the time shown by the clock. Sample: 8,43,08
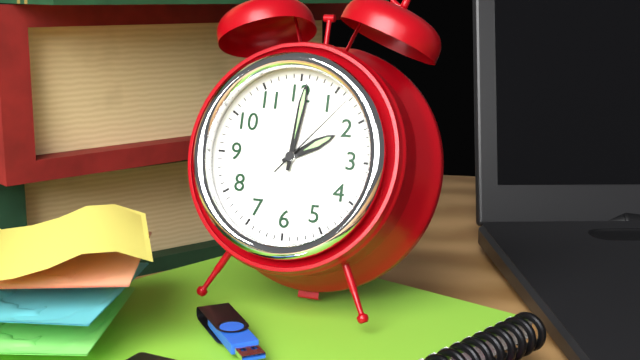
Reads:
2,01,07
